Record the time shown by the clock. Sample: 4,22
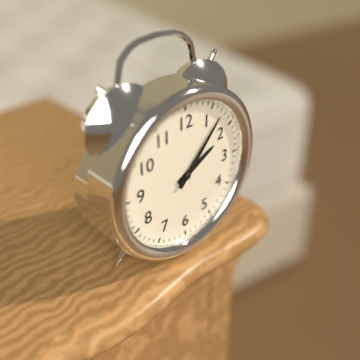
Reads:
2,07
